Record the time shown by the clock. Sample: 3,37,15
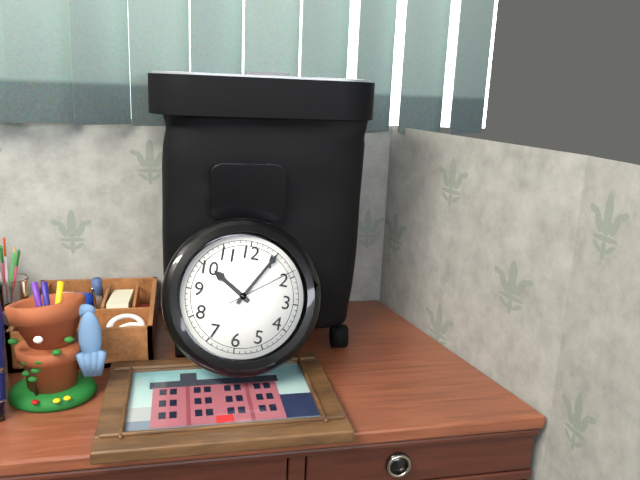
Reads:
10,05,09
